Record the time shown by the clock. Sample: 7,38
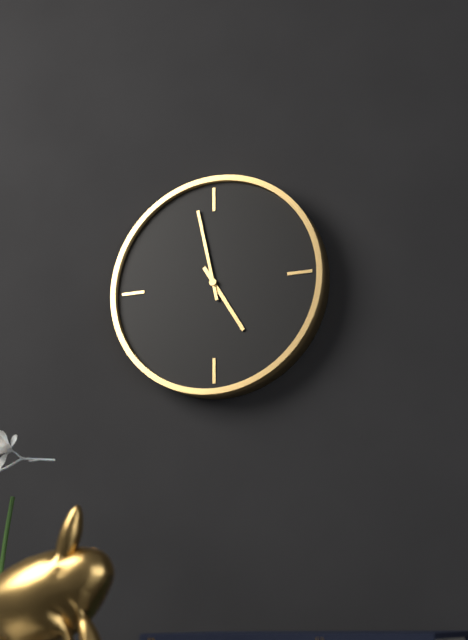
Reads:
4,58
